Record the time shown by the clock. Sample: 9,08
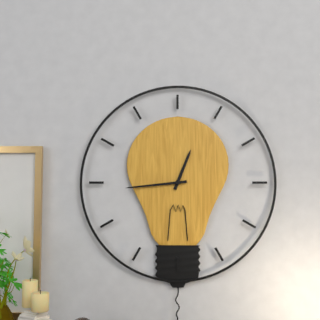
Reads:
12,44
